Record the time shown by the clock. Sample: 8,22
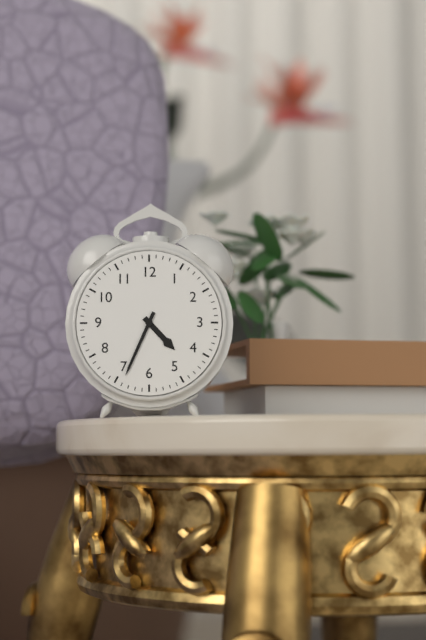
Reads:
4,34
